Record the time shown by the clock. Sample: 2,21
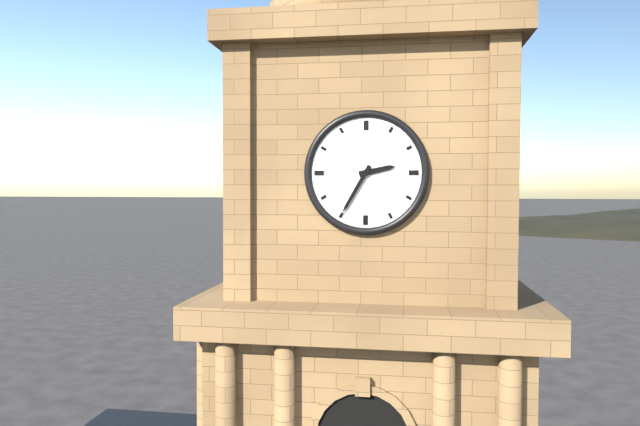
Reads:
2,35
